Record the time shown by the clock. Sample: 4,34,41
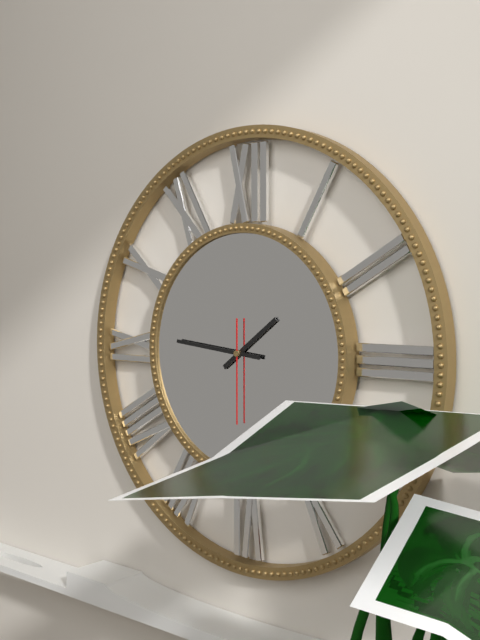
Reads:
1,46,30
